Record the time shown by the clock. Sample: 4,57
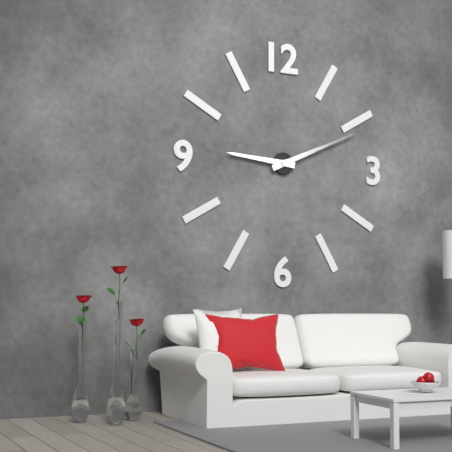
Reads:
9,11
